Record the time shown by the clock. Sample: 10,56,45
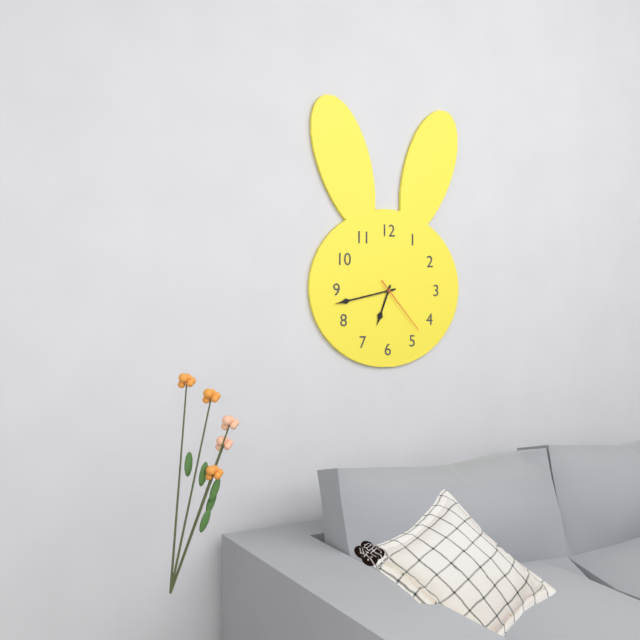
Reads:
6,43,23
